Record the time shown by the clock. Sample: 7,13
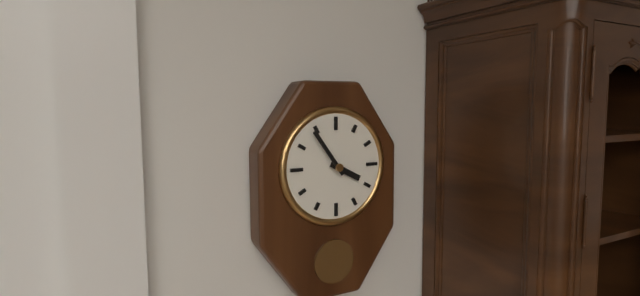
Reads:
3,54
